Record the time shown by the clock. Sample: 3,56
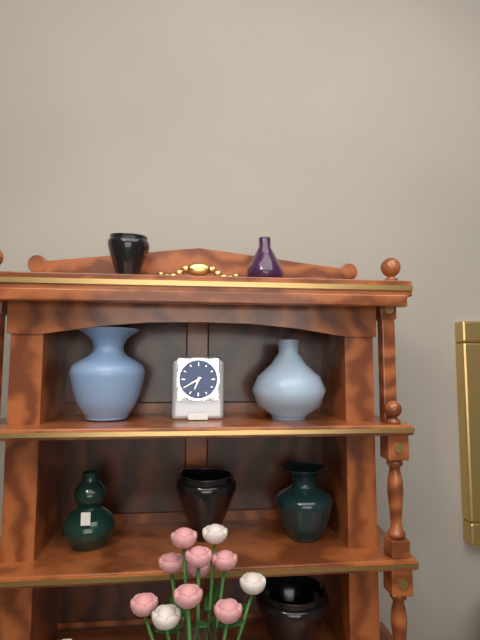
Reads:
6,40
